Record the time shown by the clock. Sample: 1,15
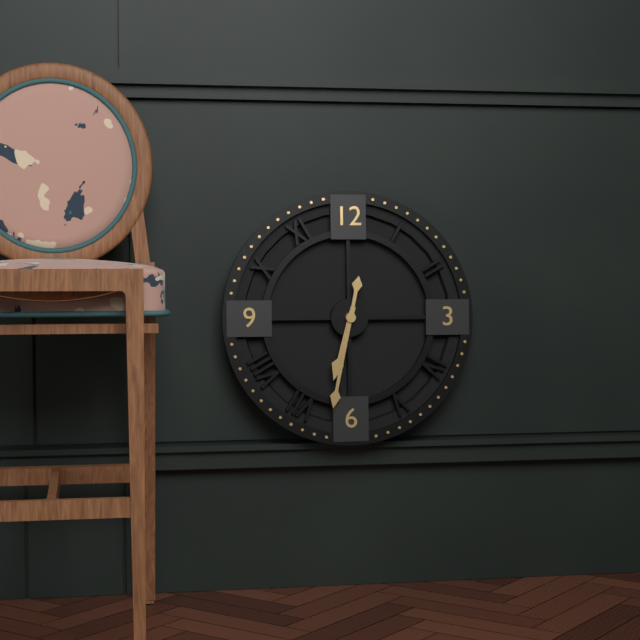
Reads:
6,32
